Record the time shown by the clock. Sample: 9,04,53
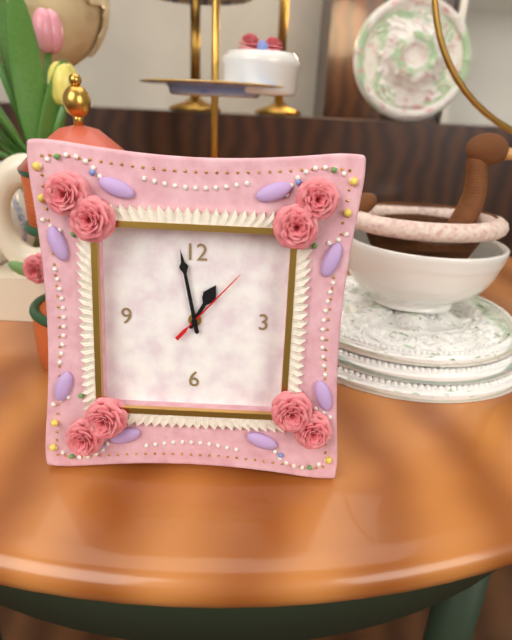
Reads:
12,58,07
